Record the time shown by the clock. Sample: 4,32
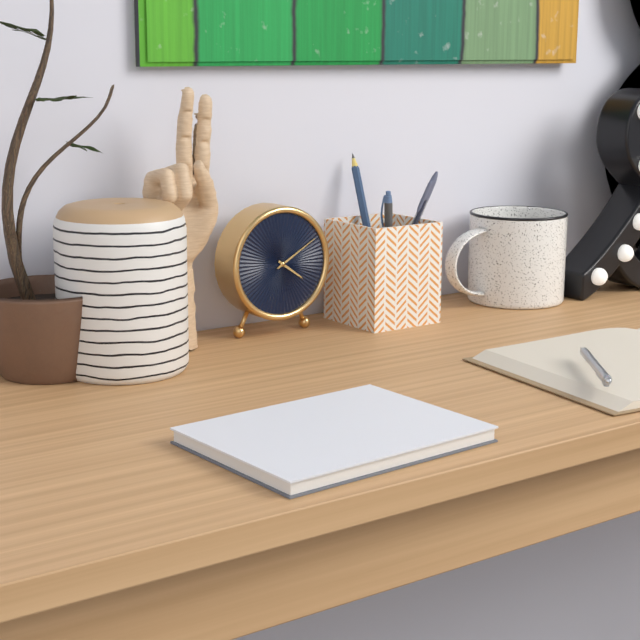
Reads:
4,10
